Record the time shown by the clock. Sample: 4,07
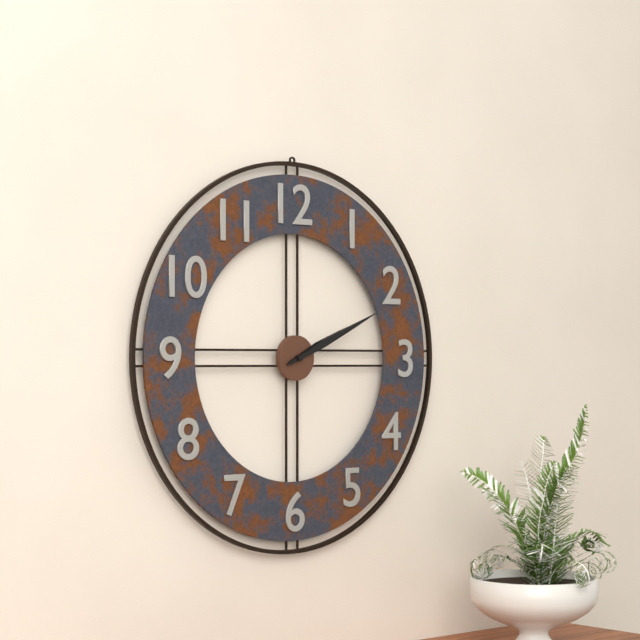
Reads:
2,11
